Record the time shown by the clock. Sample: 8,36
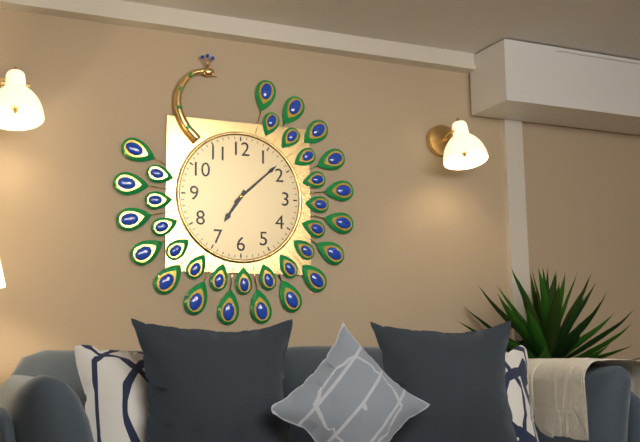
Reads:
7,08
